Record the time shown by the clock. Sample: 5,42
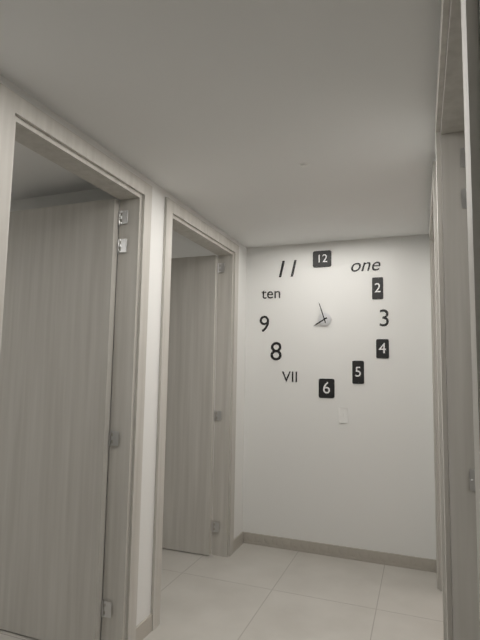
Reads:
7,57
